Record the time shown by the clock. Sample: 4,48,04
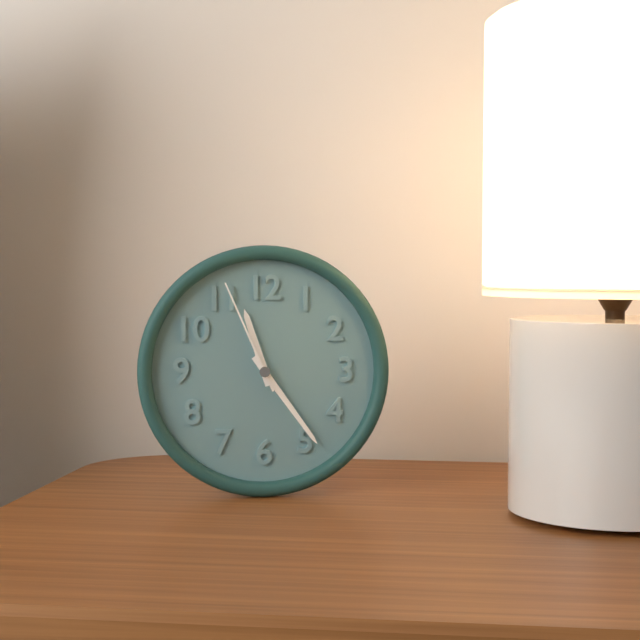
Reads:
11,24,56
